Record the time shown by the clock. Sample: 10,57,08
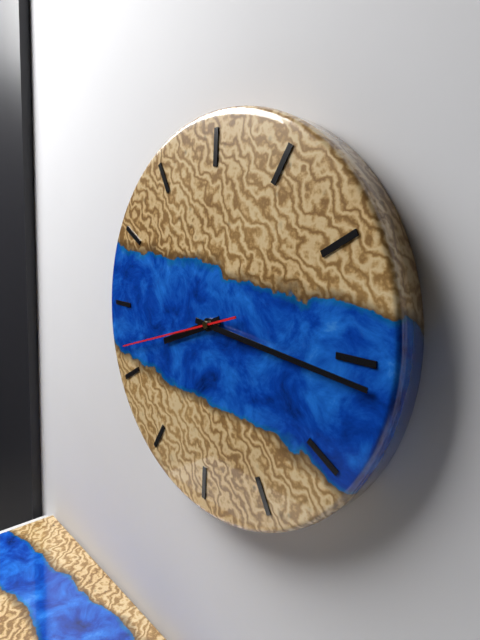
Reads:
8,16,42
